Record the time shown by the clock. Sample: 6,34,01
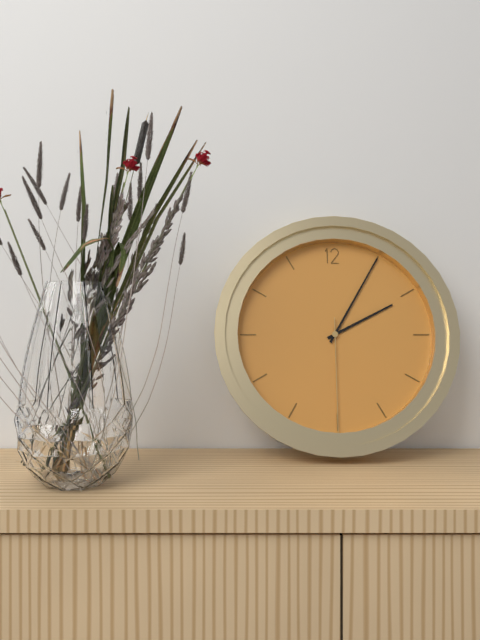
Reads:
2,05,30
